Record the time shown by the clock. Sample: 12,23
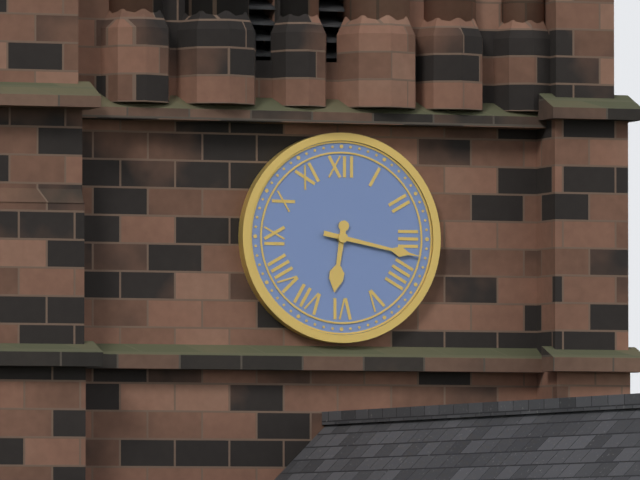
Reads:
6,17
